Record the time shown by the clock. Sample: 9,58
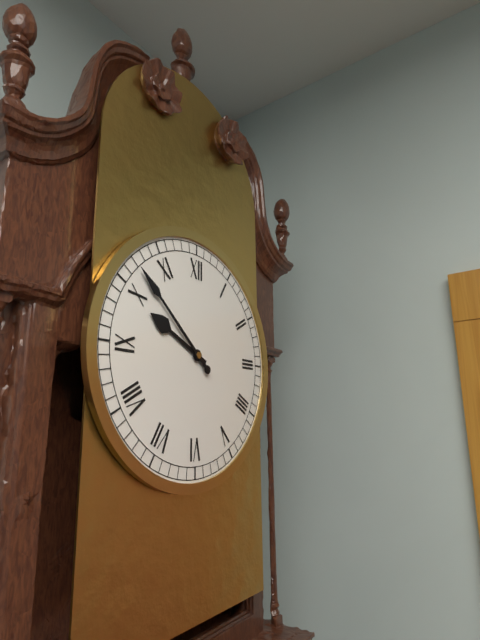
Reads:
9,52
